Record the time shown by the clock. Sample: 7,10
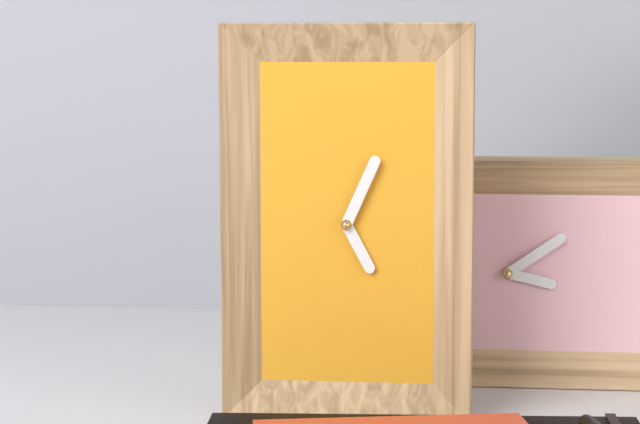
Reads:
5,04
